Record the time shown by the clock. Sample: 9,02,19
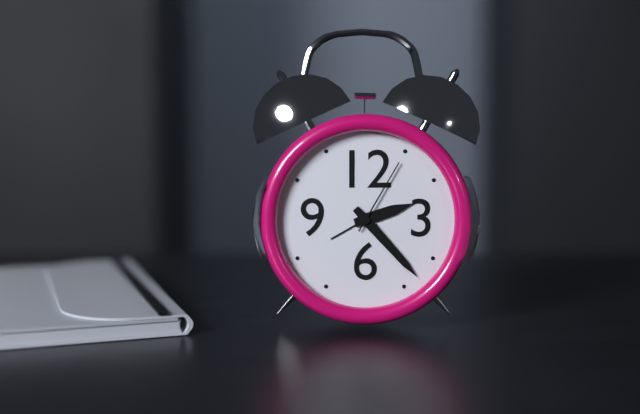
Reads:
2,23,05
